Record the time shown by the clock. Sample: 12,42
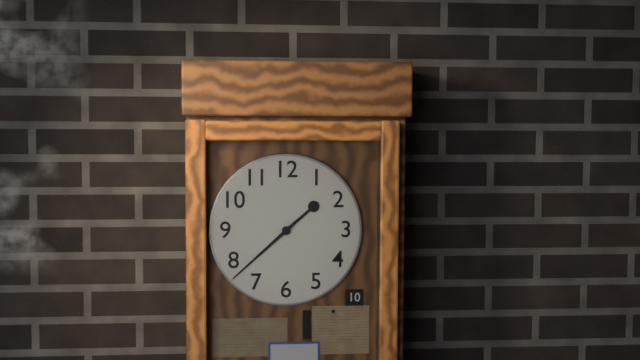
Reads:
1,38
